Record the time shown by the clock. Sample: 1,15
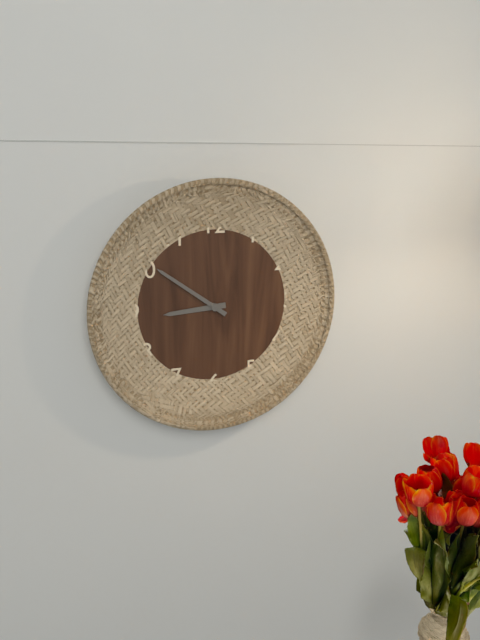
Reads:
8,51
